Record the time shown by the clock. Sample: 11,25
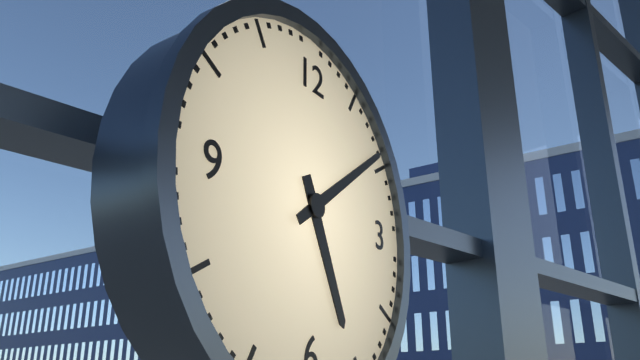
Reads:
5,09
